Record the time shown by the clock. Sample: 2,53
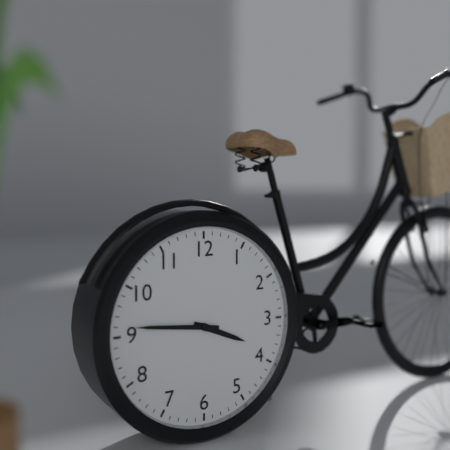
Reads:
3,46
